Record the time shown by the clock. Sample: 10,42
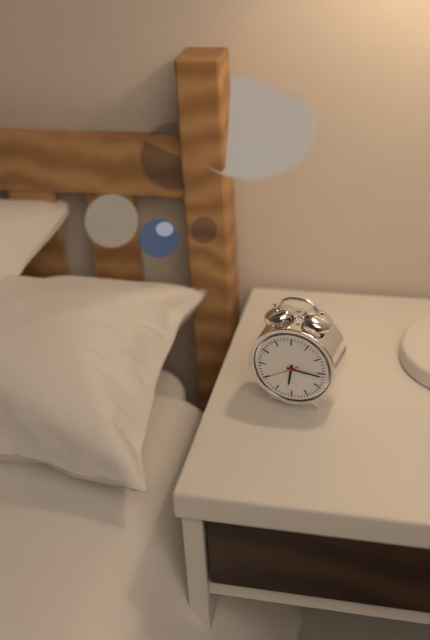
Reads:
6,16
